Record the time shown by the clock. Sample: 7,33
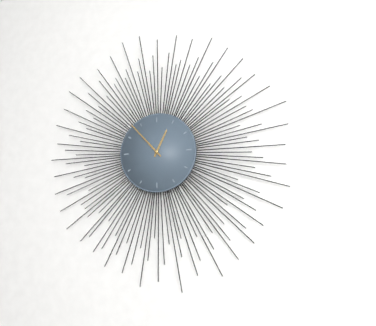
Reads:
12,53
